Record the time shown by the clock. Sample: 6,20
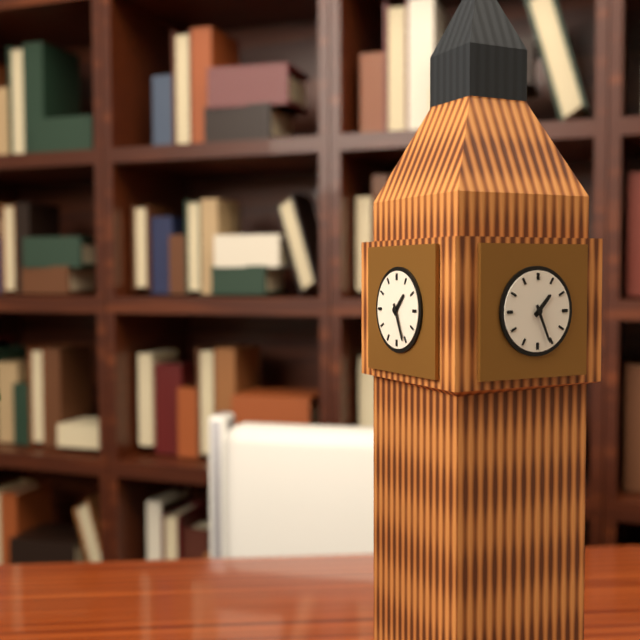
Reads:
1,26
